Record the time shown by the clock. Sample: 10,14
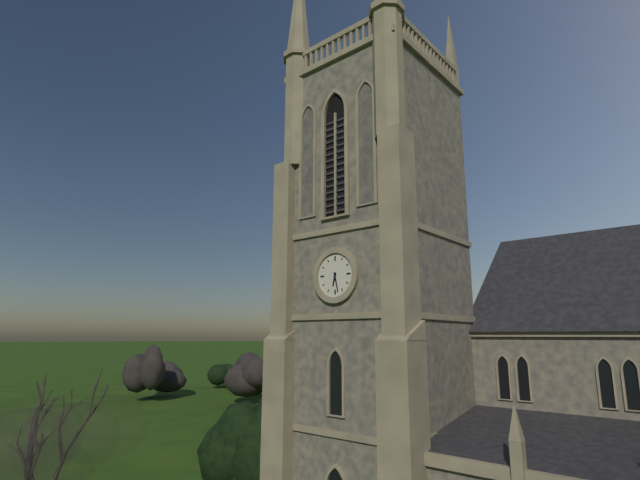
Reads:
6,28
